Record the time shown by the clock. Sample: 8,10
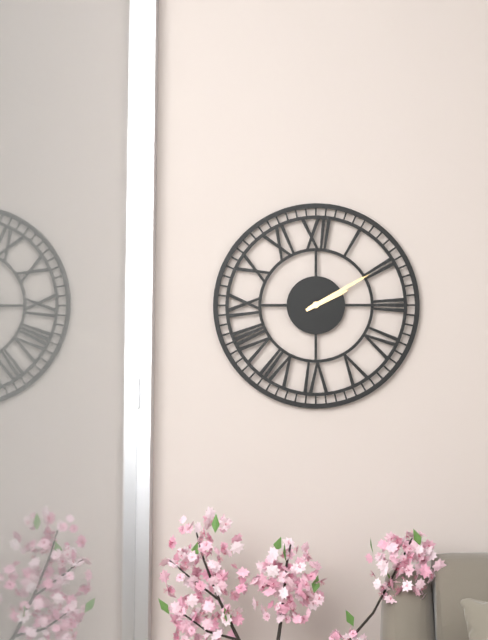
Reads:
2,10
